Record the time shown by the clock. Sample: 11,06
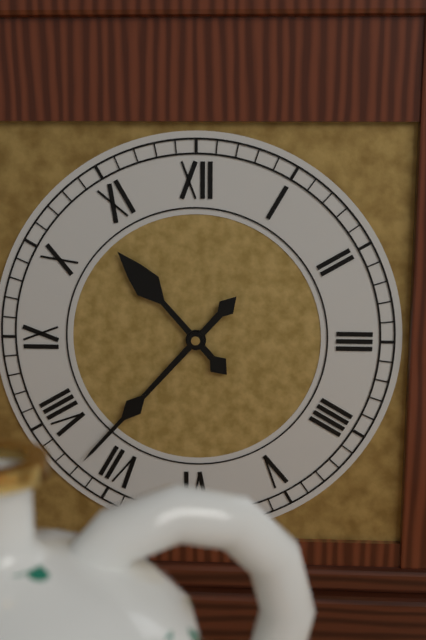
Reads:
10,37
